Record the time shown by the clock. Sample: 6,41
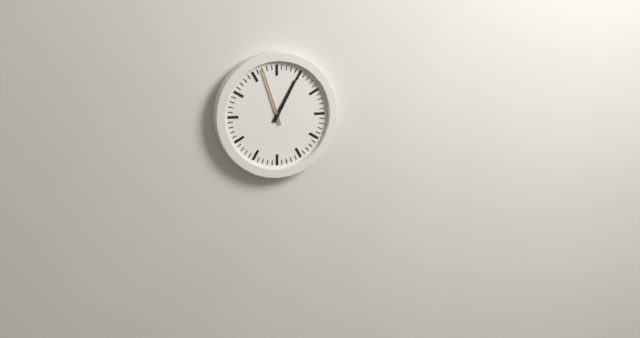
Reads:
12,57
